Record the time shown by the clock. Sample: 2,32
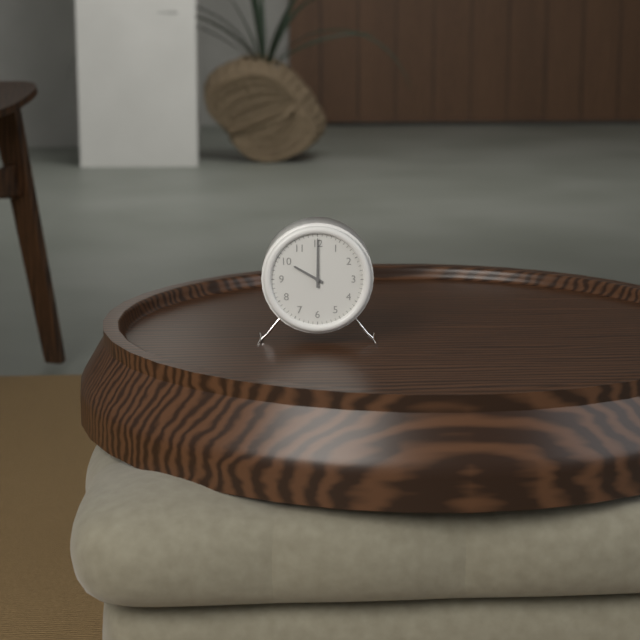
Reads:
10,00
